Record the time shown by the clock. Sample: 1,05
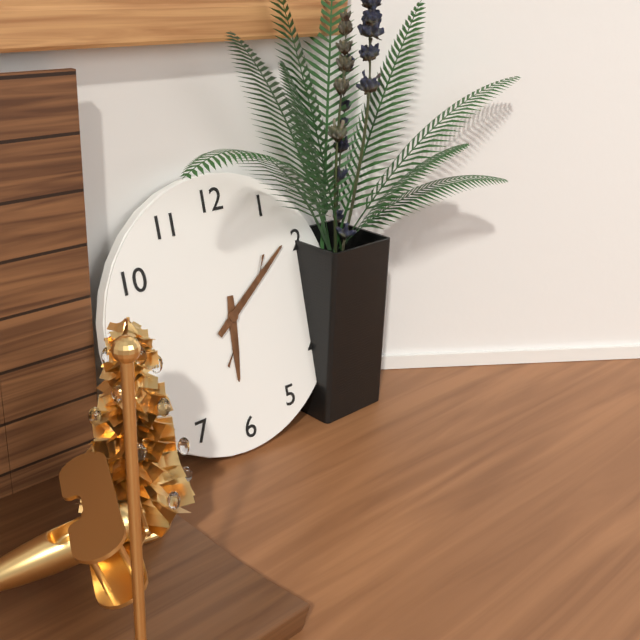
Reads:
6,09
